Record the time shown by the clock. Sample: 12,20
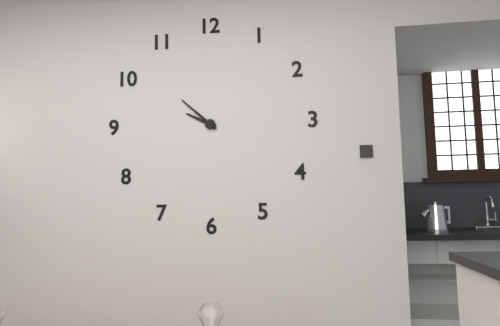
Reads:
9,52
